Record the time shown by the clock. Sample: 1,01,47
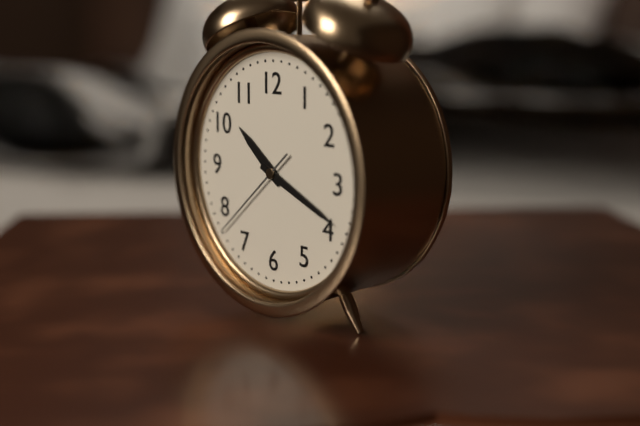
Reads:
10,19,38
